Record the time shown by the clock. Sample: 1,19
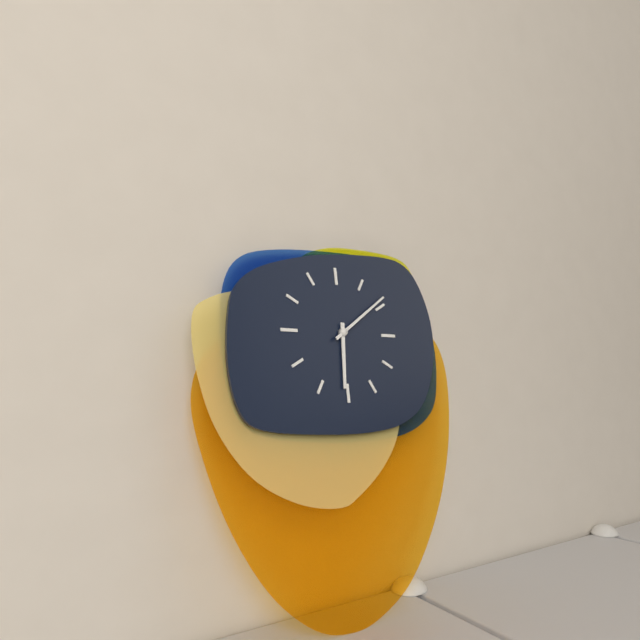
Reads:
6,09
